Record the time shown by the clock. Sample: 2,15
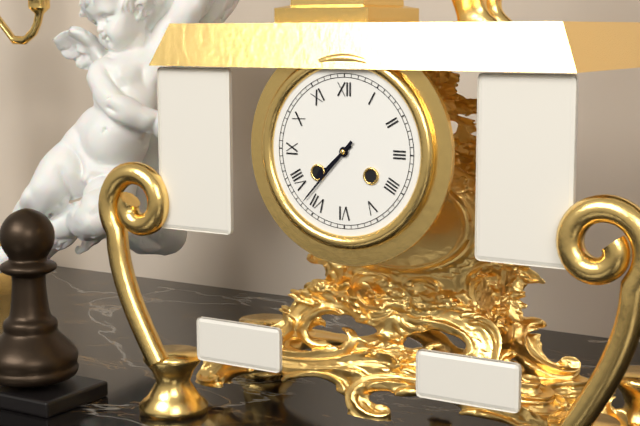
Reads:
7,37
